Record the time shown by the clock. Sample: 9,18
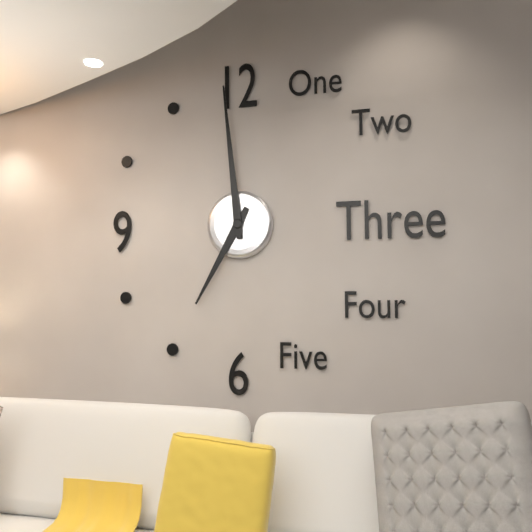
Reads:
6,59
